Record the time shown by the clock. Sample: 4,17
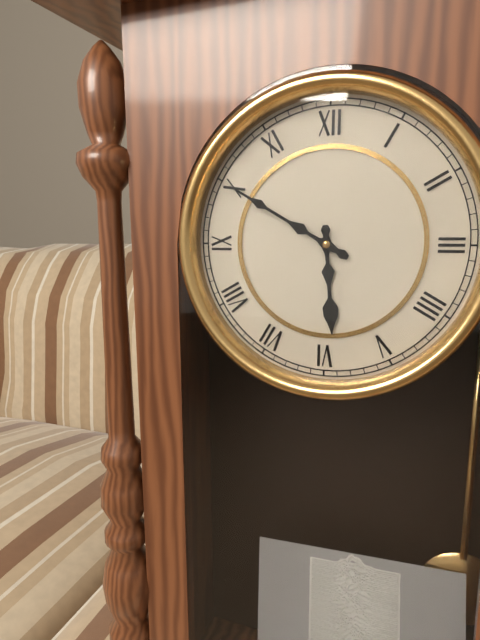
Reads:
5,50
